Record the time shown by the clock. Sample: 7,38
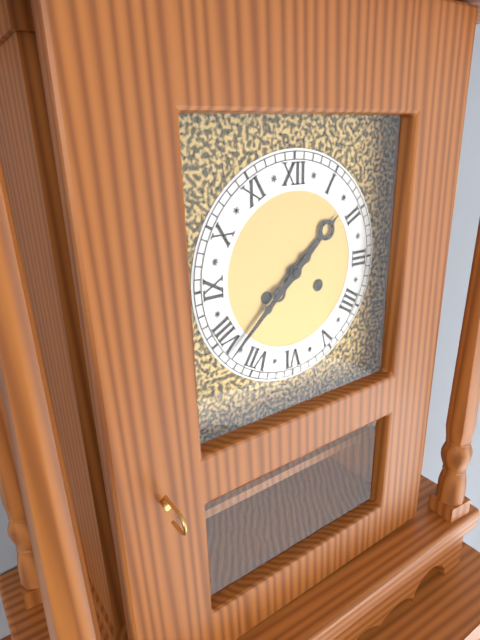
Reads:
1,38
